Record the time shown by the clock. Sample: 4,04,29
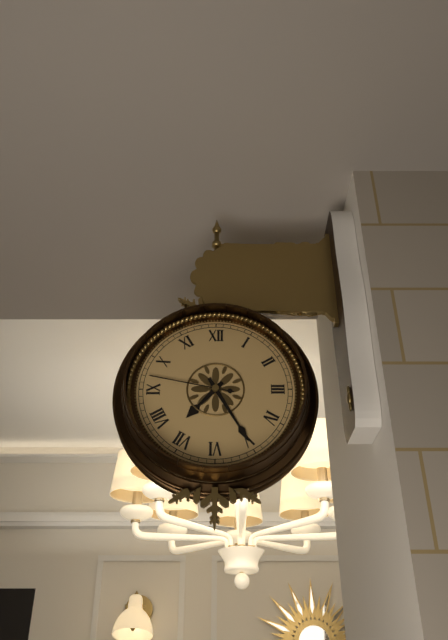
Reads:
7,25,47
